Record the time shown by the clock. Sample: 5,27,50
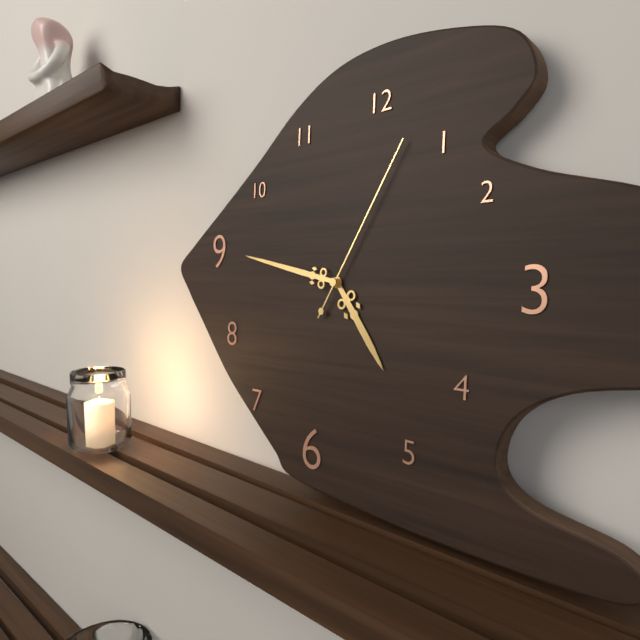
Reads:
4,47,05
